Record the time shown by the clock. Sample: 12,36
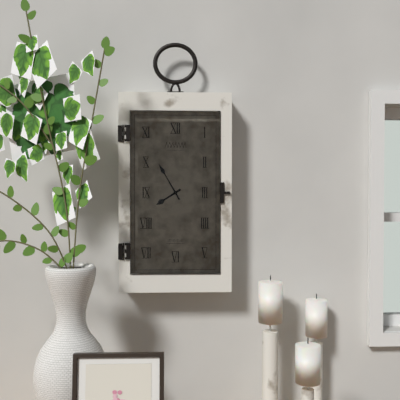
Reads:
7,55
